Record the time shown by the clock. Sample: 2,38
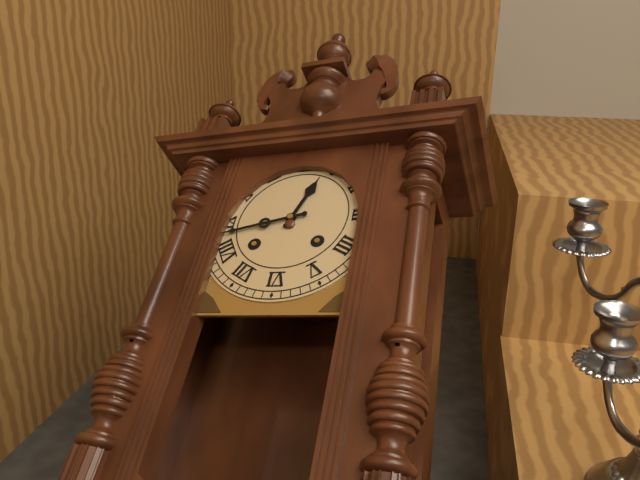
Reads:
12,43
